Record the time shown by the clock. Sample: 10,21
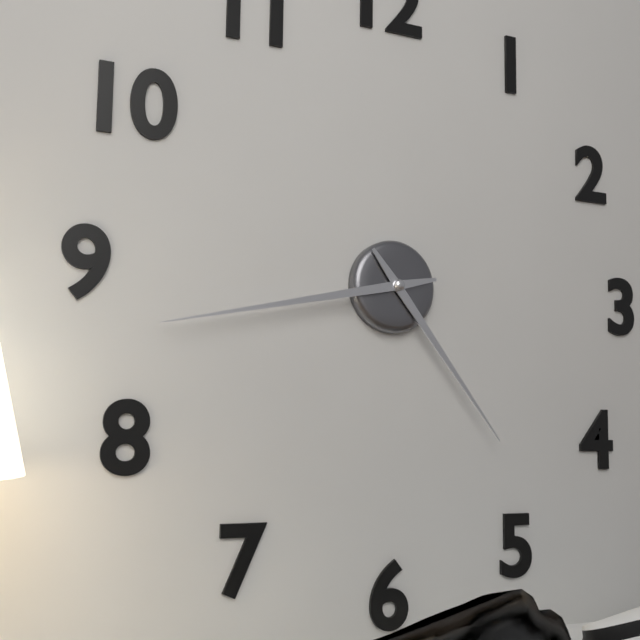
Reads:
4,43
